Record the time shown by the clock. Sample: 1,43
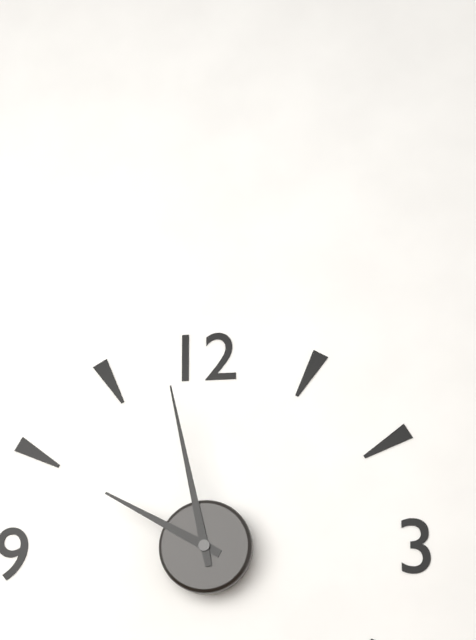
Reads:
9,58
